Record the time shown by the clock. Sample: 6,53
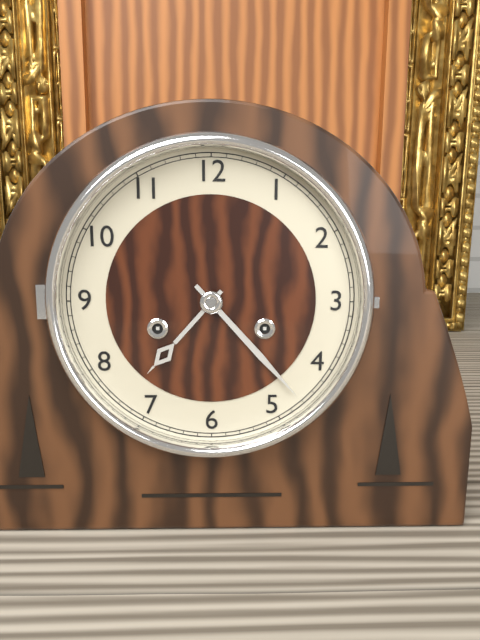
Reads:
7,23
